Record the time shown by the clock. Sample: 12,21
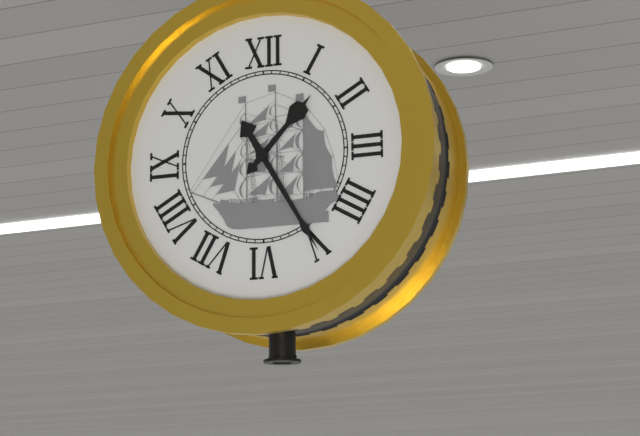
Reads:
1,25
